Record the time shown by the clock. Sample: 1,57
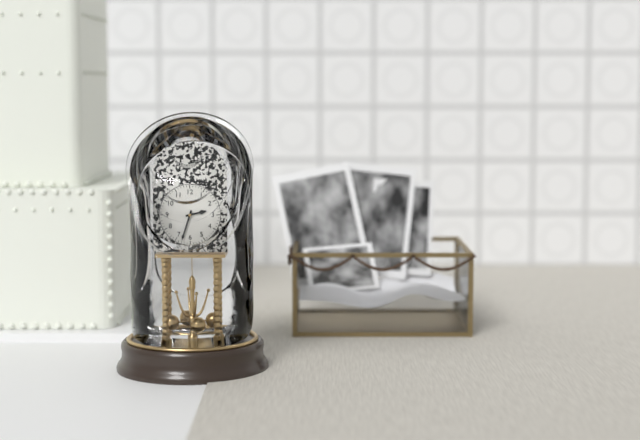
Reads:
2,33
